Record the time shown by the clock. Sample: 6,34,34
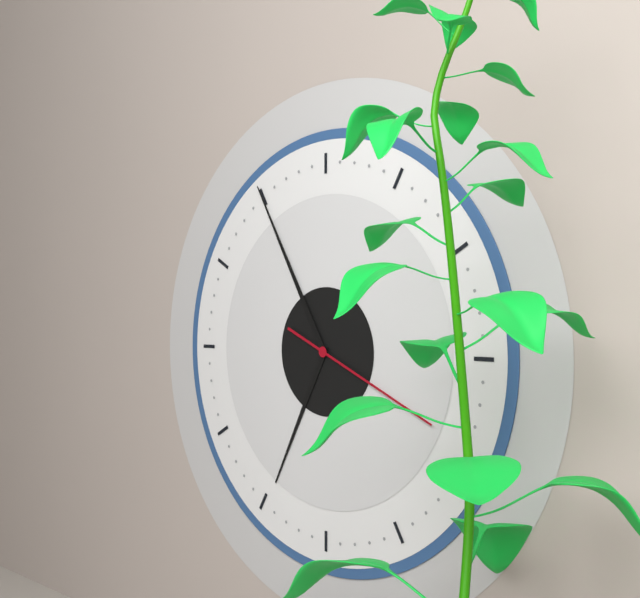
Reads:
6,55,19
